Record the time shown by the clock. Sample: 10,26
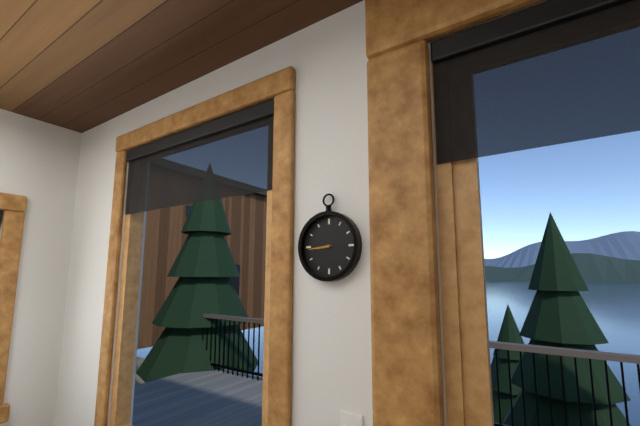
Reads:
8,44
